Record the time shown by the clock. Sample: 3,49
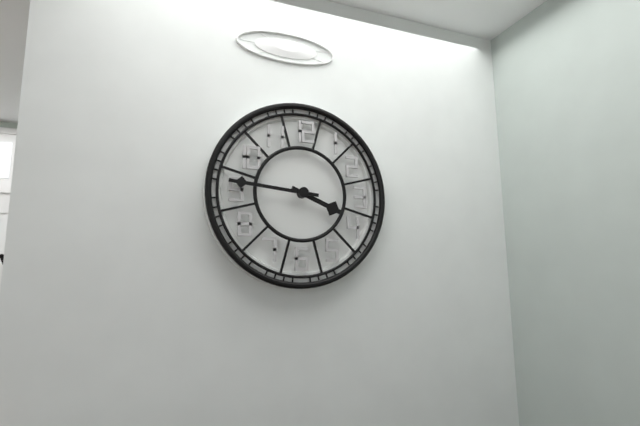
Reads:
3,46
